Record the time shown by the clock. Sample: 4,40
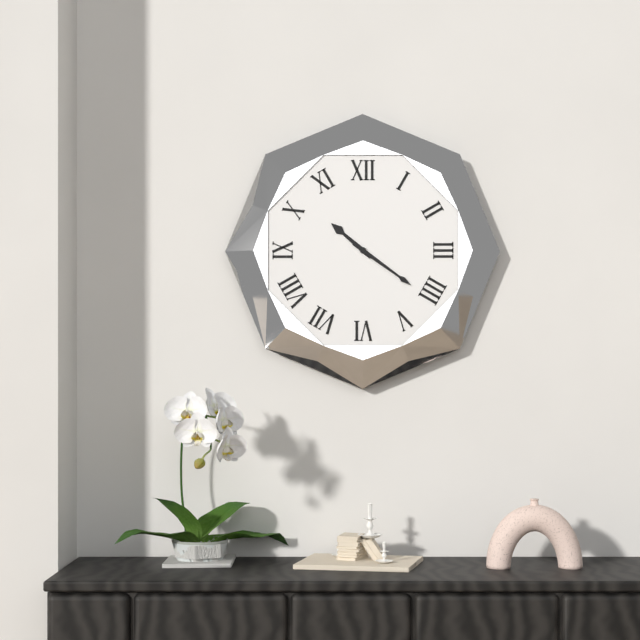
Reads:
10,21
